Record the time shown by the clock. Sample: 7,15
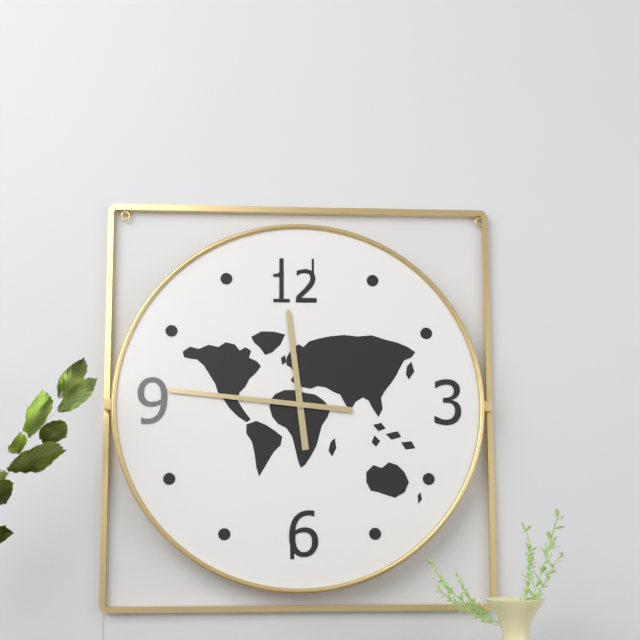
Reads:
11,46
